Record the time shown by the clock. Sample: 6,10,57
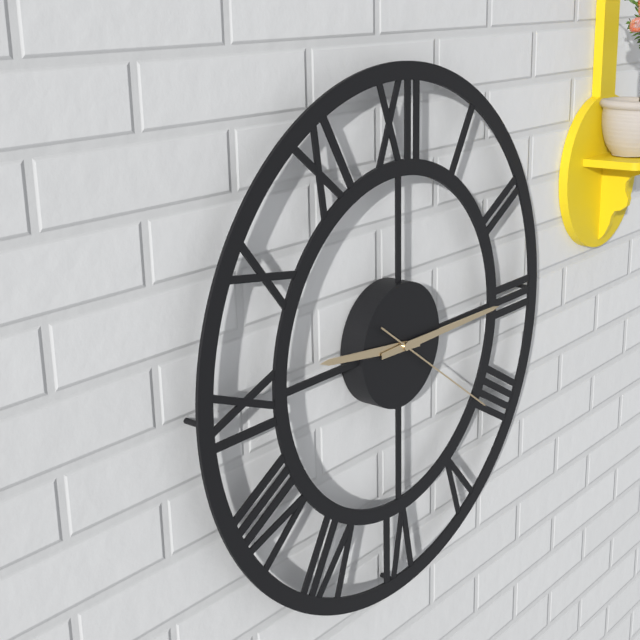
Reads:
9,15,21
